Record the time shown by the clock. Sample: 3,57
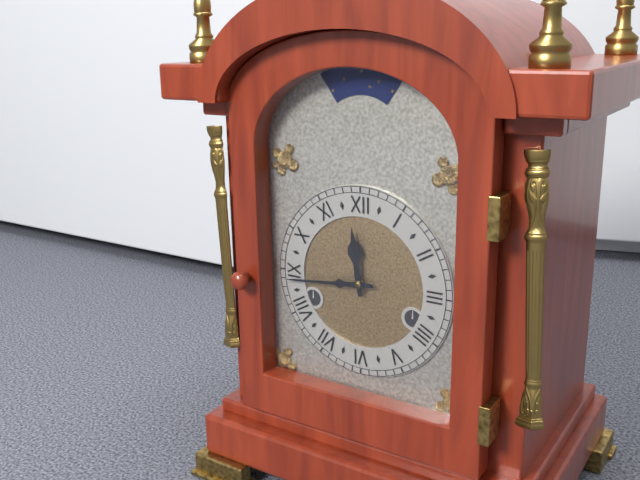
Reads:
11,44
